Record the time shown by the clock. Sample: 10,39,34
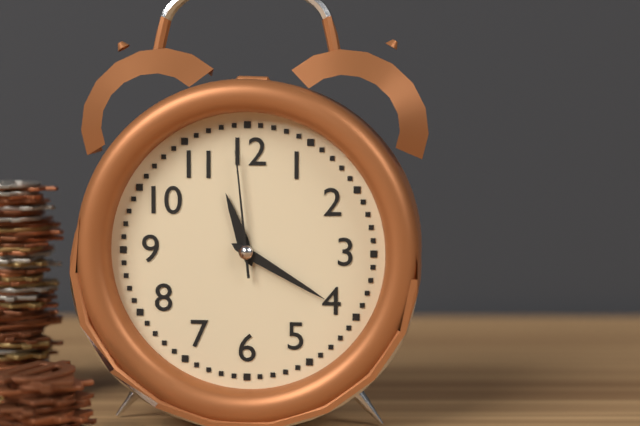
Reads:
11,20,59
